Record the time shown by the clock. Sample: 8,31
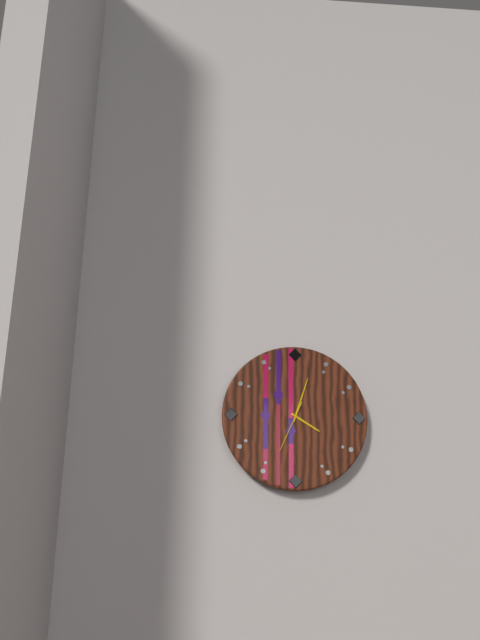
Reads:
4,03
